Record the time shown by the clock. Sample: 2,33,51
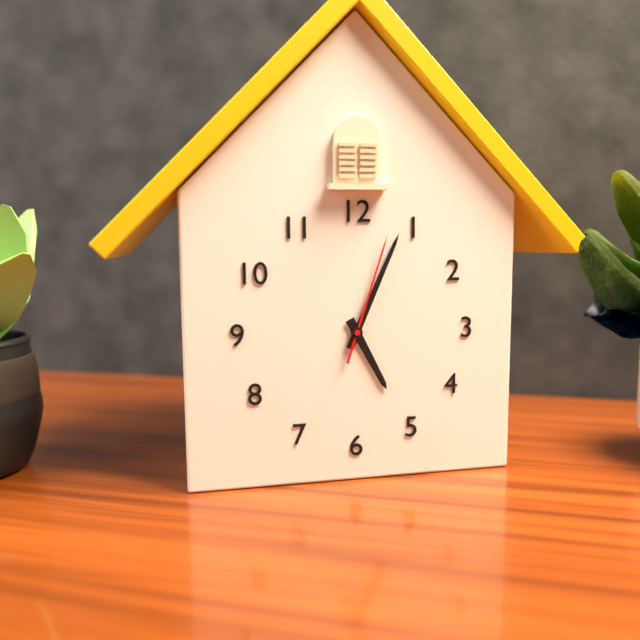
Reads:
5,04,03
